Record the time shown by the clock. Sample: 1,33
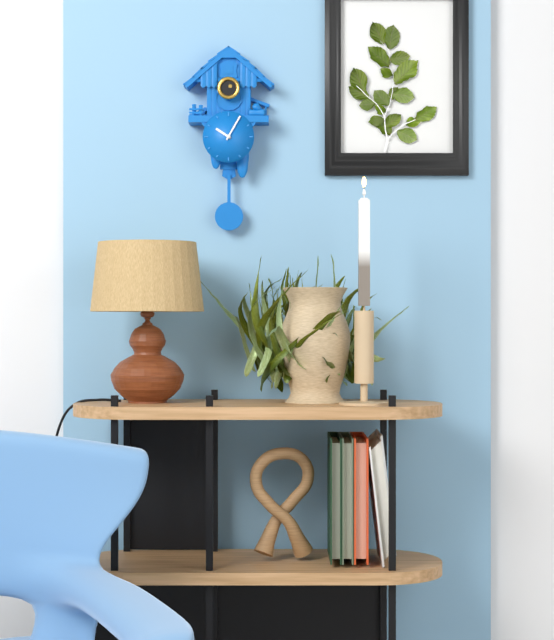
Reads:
10,05
